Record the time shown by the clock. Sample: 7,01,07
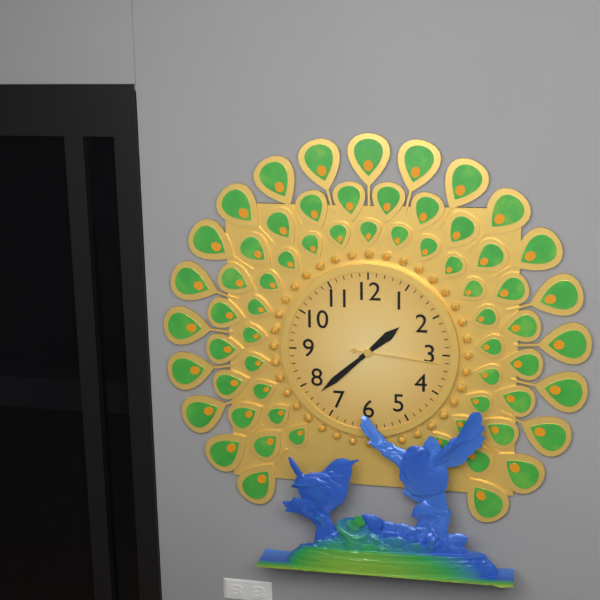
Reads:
1,38,16
